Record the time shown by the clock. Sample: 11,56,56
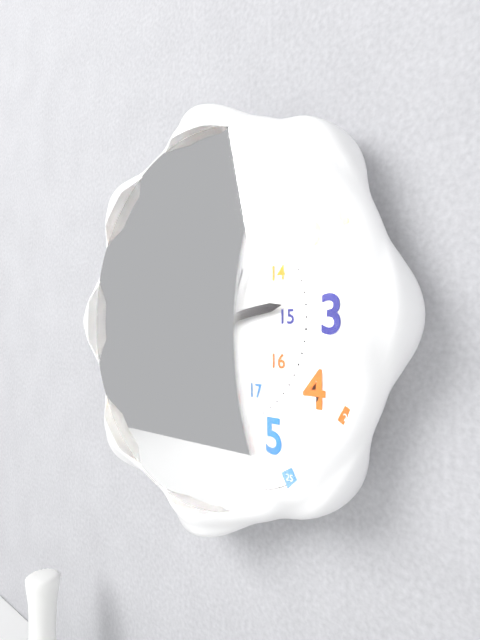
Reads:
2,44,35
